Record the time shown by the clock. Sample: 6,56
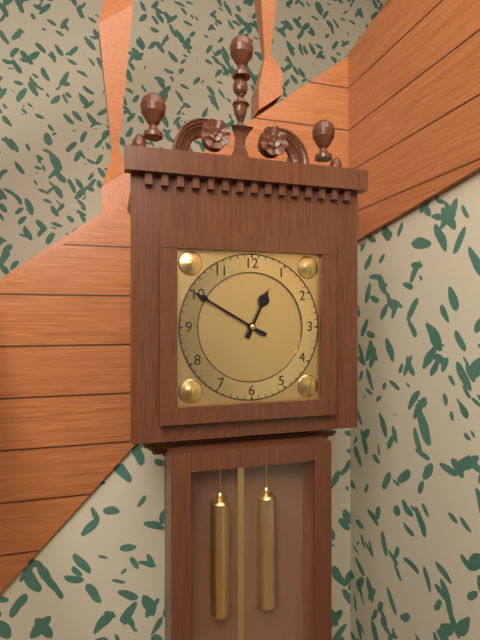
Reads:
12,50
